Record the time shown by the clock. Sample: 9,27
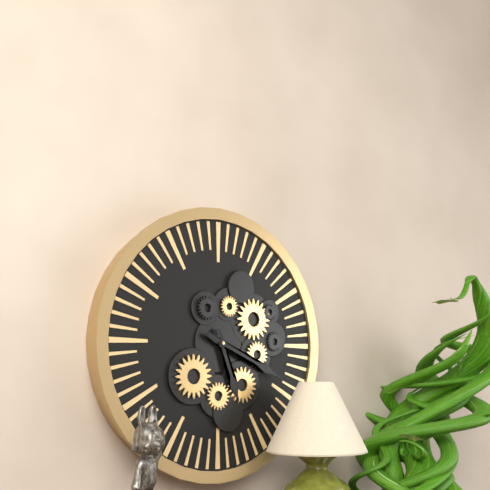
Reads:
5,19
